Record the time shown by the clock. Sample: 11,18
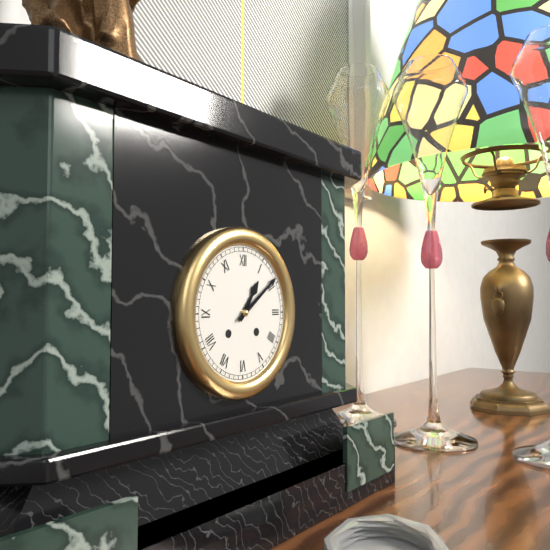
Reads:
1,09
